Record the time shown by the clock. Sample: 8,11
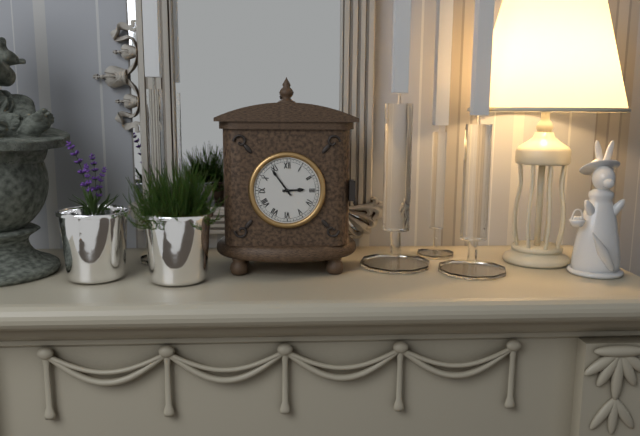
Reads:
2,54
